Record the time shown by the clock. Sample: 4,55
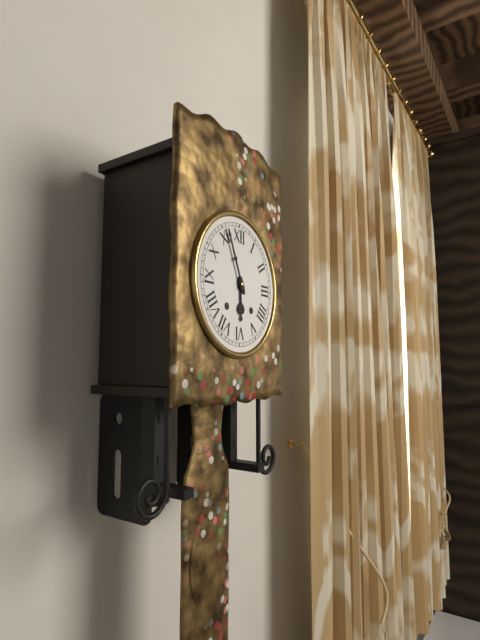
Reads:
5,56
